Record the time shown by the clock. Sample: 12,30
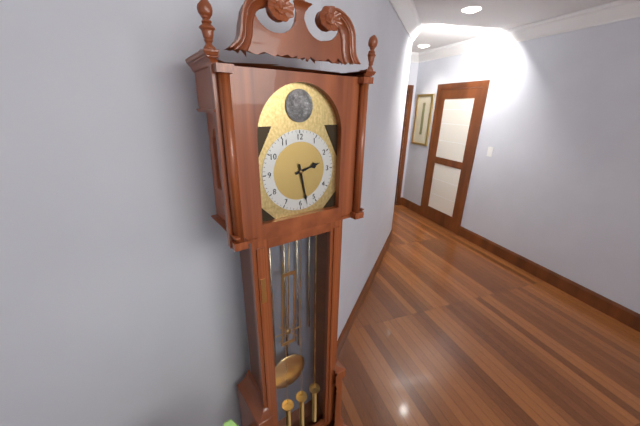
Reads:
2,28
